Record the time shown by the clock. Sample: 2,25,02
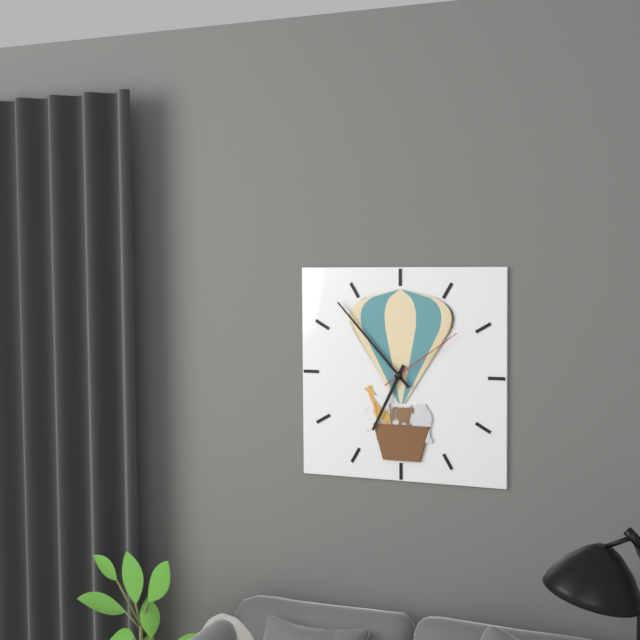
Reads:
6,53,09
